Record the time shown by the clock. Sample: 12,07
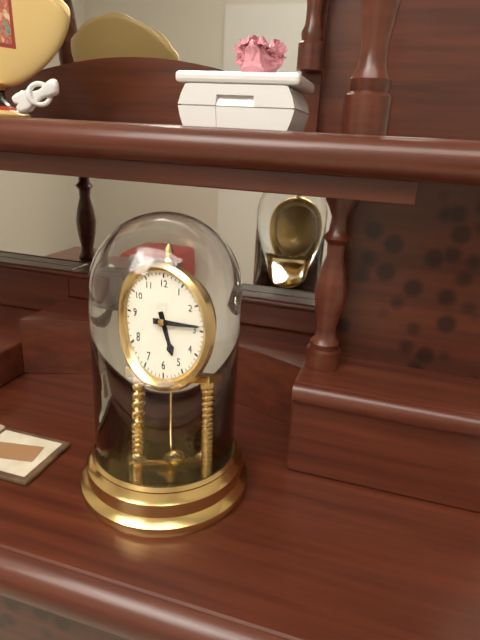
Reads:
5,14
